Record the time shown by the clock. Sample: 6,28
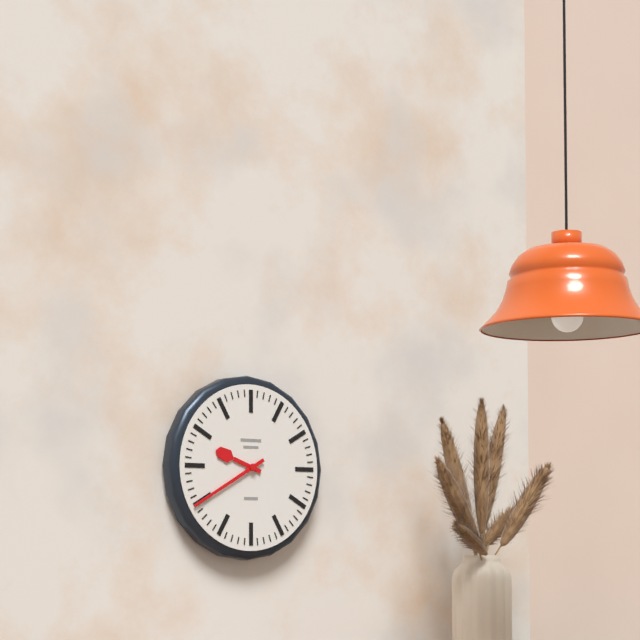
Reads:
9,40
